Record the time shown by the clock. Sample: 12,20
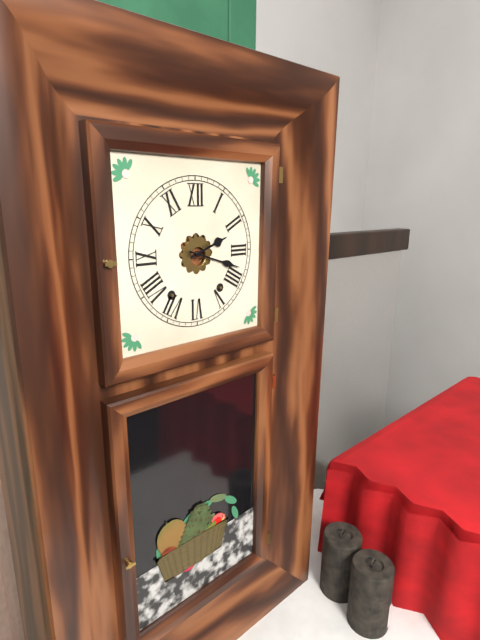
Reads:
2,18
